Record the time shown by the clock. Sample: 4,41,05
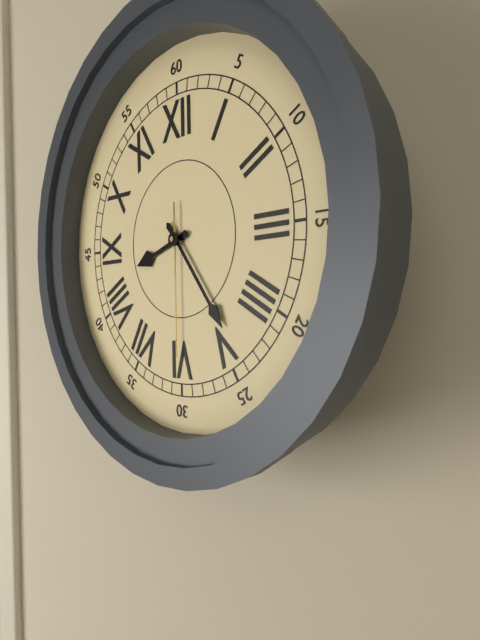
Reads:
8,24,30
